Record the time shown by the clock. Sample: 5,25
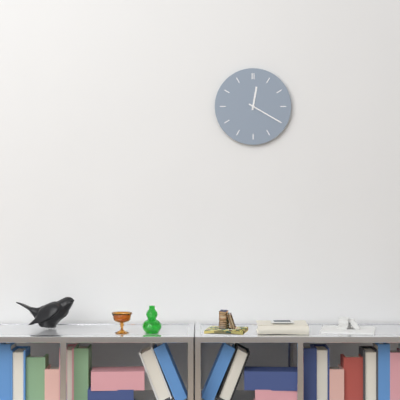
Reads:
12,20
